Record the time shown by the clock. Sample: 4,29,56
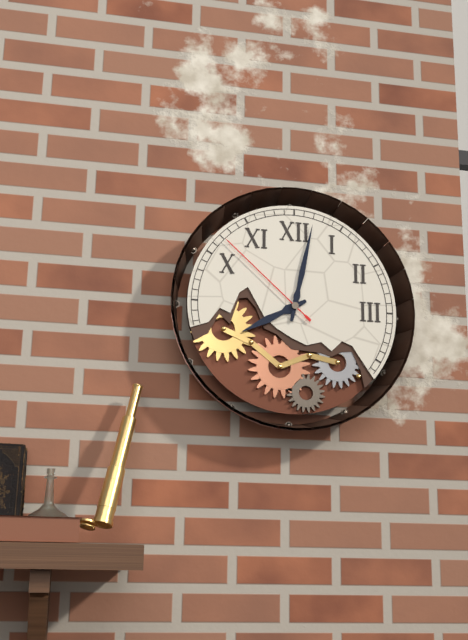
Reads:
8,02,52
